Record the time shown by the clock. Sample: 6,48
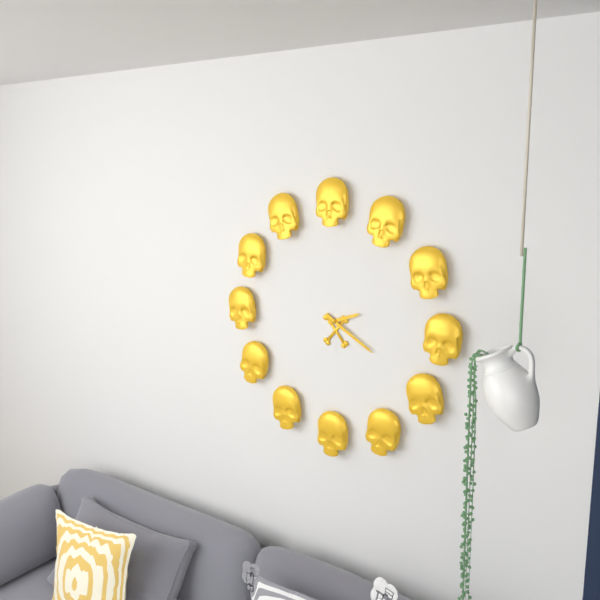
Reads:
2,20
